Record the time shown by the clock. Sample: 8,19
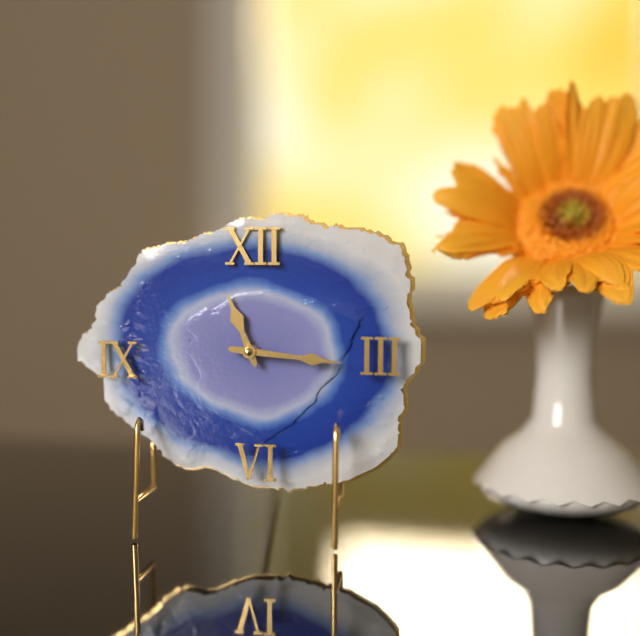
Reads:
11,16
